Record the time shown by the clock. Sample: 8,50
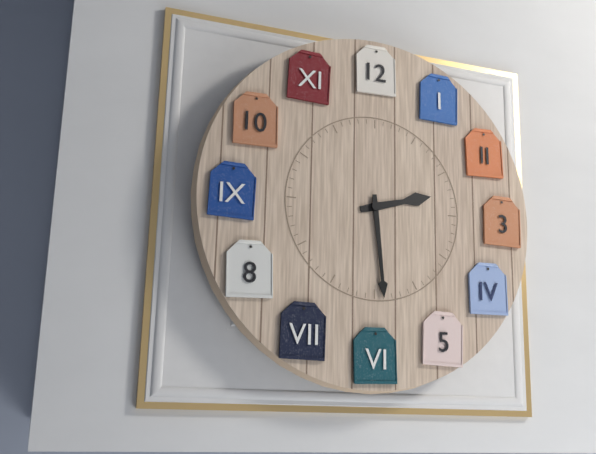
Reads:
2,29
